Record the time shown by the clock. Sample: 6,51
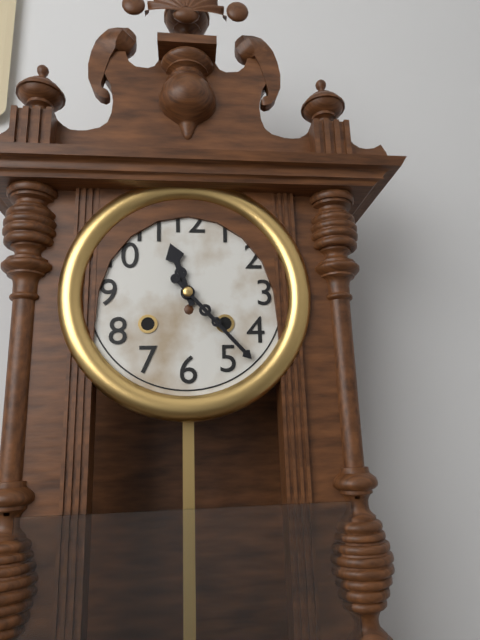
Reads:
11,23
